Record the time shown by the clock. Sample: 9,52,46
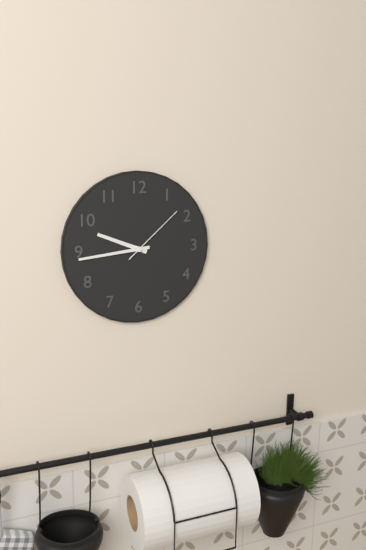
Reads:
9,44,08
